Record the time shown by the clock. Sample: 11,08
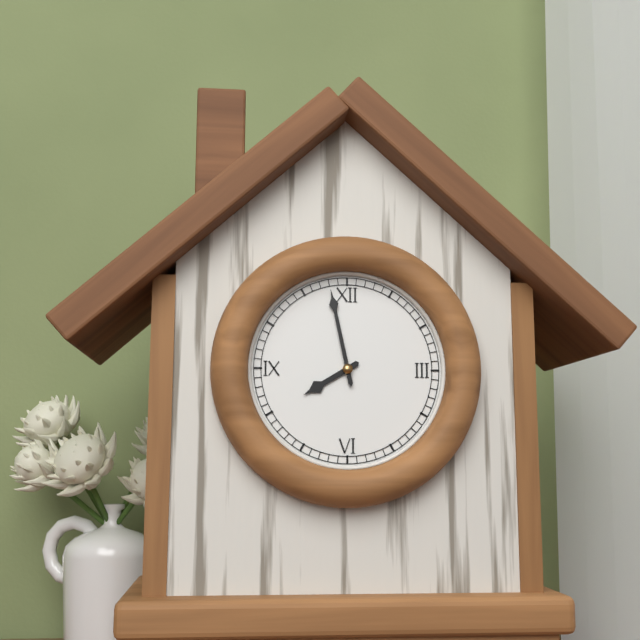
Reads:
7,58
